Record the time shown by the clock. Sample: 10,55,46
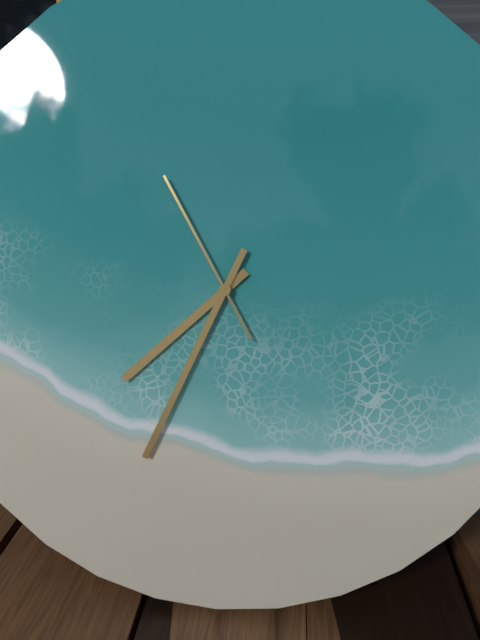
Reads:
7,34,55
